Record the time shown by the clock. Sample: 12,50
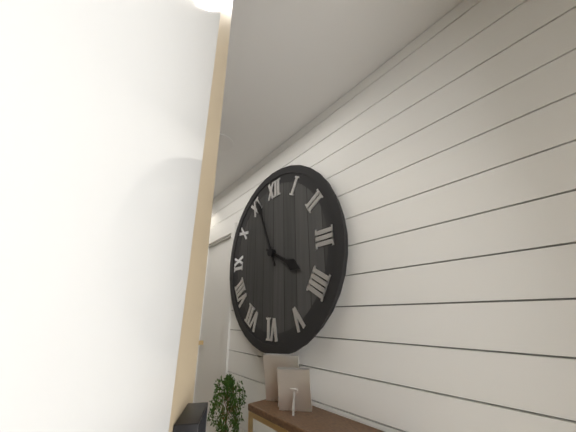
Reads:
3,56
